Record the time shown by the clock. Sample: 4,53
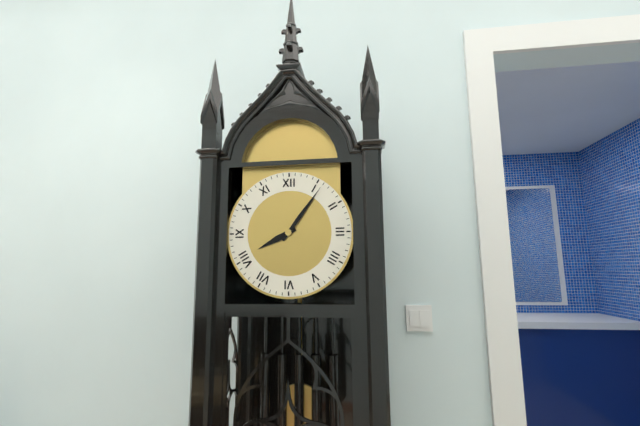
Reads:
8,06
